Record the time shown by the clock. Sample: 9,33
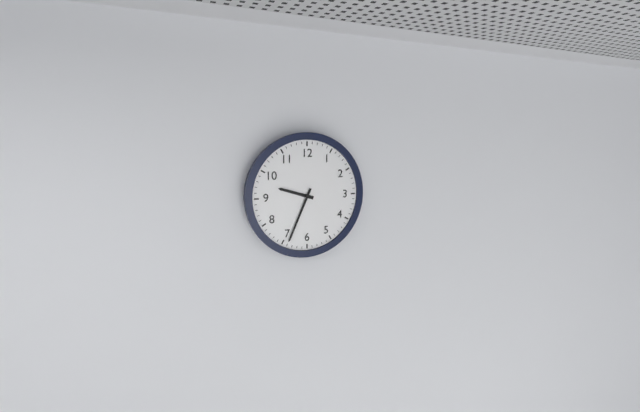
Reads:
9,34
